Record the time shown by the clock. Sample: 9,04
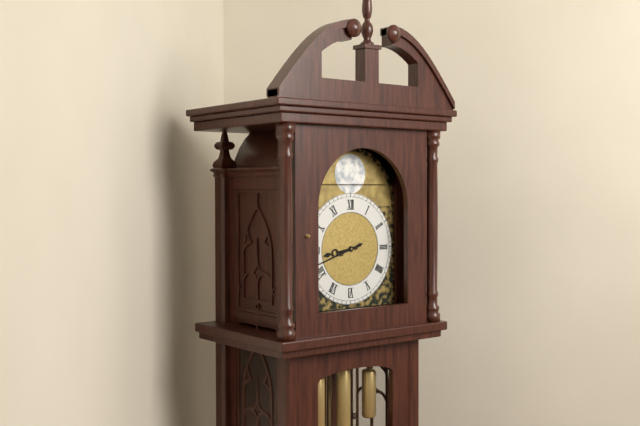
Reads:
8,42
